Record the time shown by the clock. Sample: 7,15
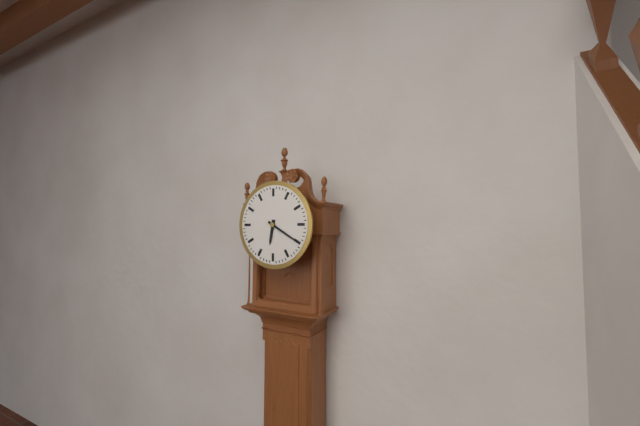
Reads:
6,20
